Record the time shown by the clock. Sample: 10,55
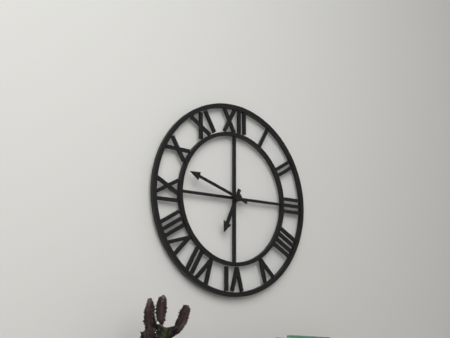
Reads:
6,48
